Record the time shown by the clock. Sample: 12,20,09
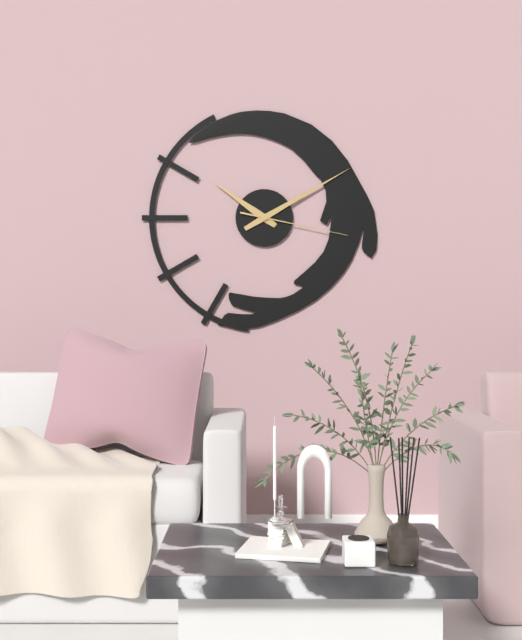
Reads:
10,10,17
